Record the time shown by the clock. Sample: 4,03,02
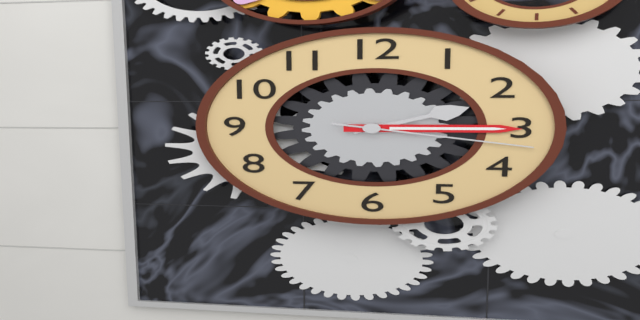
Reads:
2,15,17
